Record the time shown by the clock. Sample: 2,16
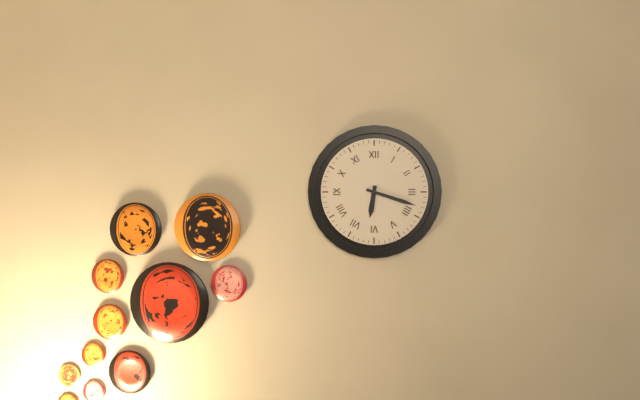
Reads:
6,18
